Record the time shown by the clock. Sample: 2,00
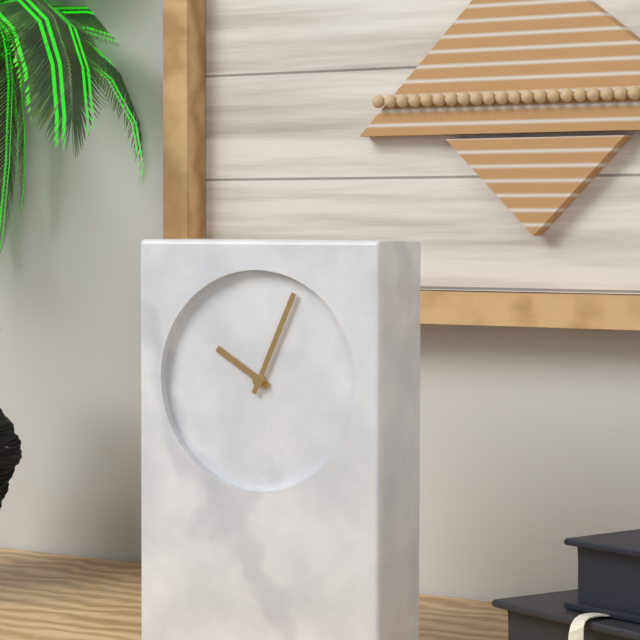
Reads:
10,04
